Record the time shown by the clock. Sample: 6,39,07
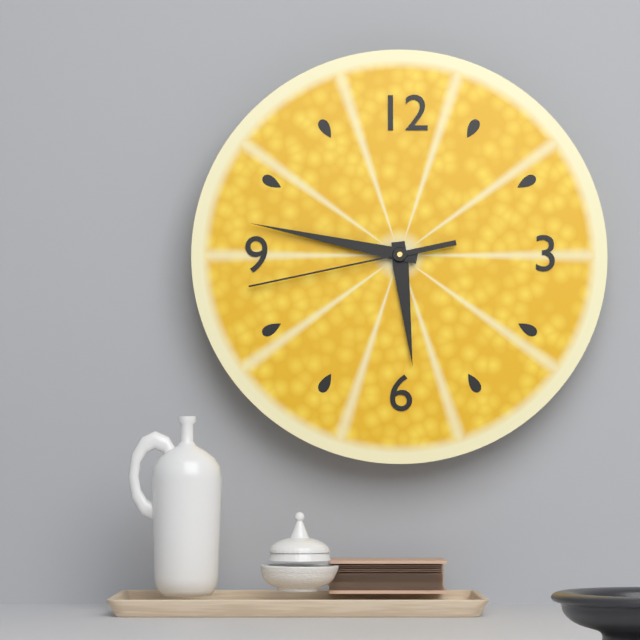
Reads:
5,47,43
